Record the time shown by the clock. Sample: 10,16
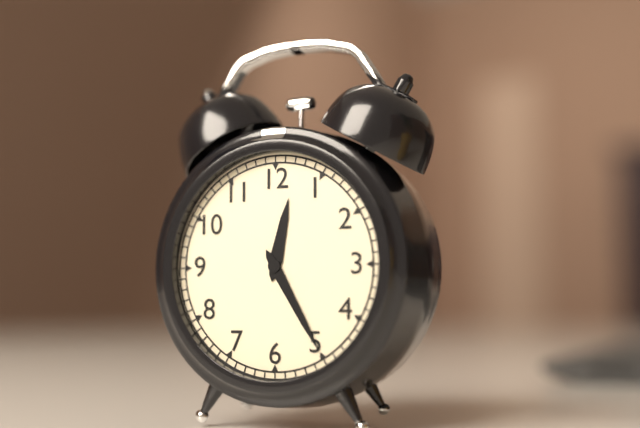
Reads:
12,25
